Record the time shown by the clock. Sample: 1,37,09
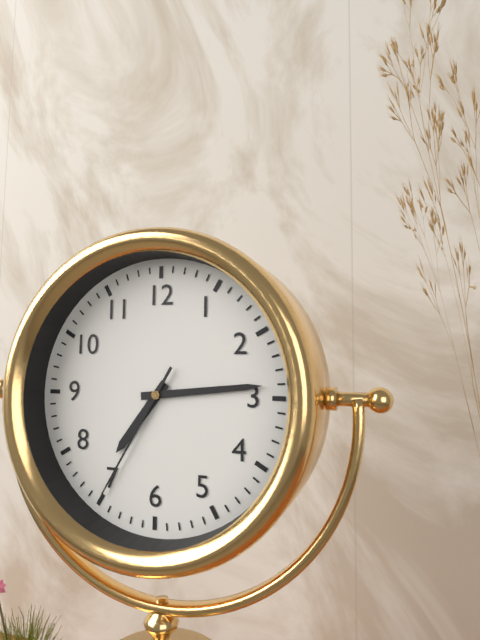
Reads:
7,14,35
